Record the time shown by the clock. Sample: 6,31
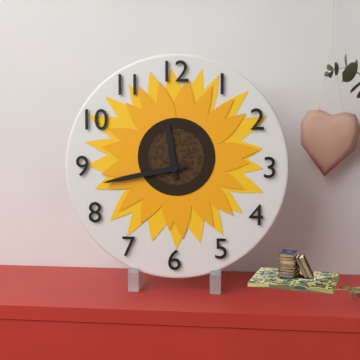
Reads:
11,43
